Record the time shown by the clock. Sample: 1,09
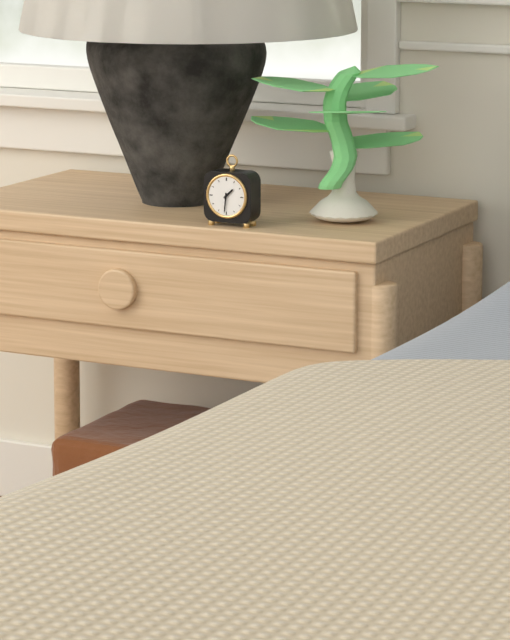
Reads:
1,31
